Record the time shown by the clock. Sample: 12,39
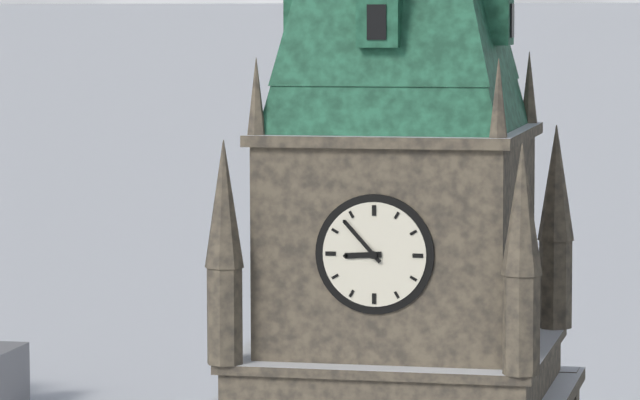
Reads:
8,53
